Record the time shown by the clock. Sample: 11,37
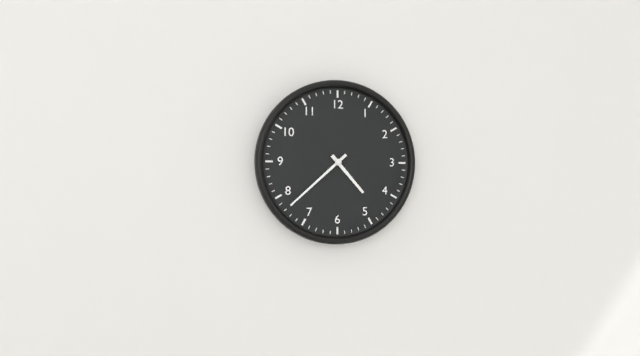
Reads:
4,38
